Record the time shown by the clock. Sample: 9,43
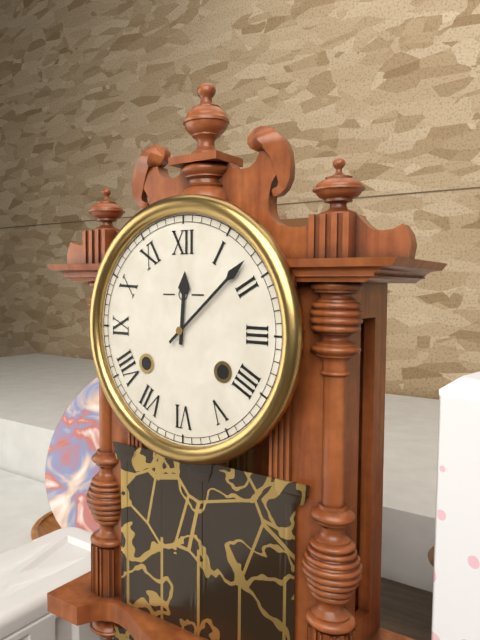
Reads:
12,08
